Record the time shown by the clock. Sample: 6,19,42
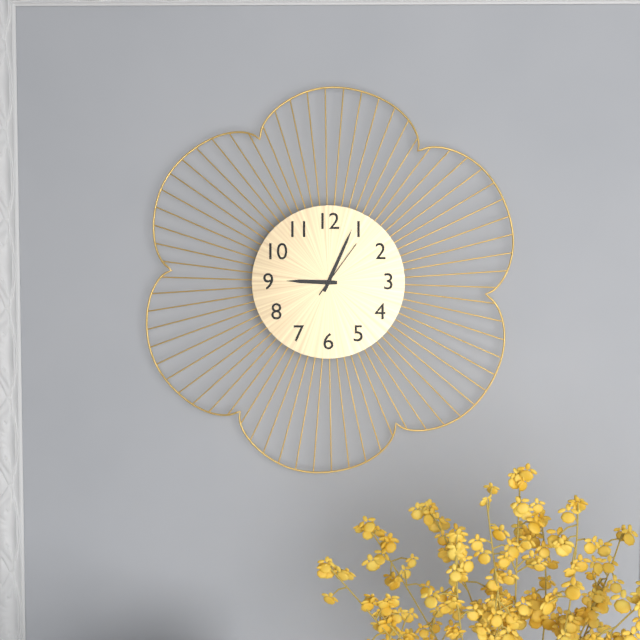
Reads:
9,04,06
